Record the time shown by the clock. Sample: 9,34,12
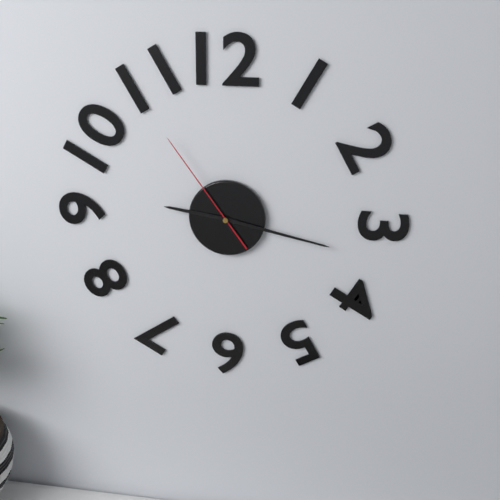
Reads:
9,17,54
